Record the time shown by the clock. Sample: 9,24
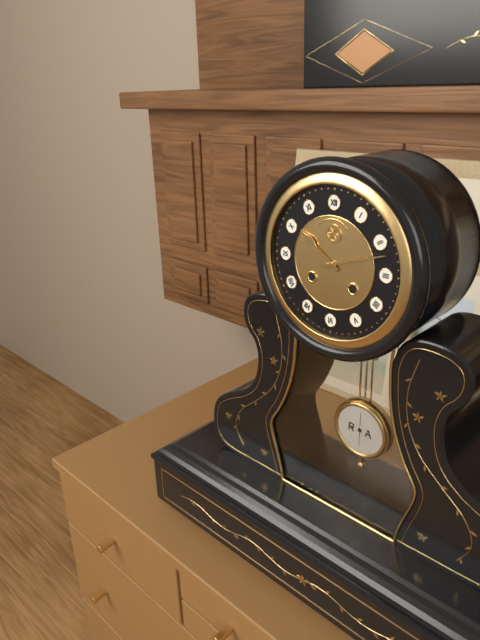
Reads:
10,12
